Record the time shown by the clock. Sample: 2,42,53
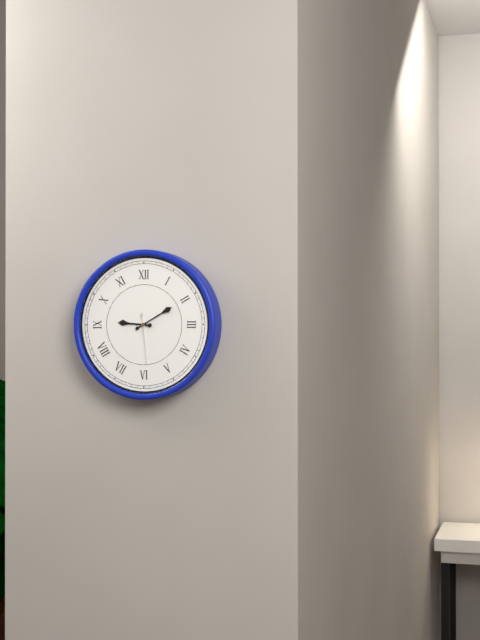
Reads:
9,10,29
